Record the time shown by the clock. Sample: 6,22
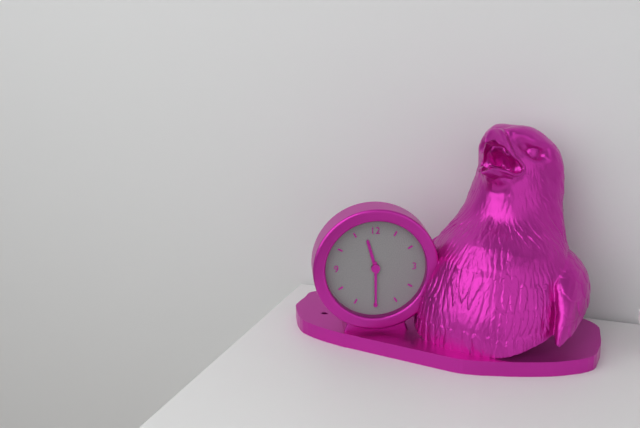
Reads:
11,30
